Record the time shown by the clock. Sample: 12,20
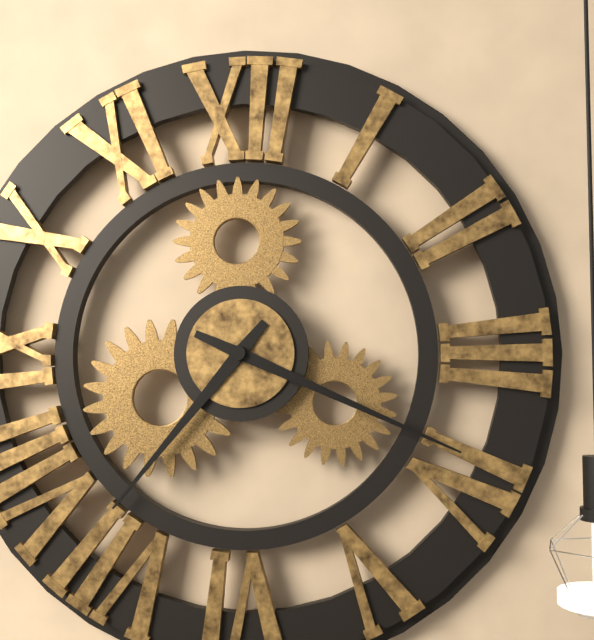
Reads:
7,19
